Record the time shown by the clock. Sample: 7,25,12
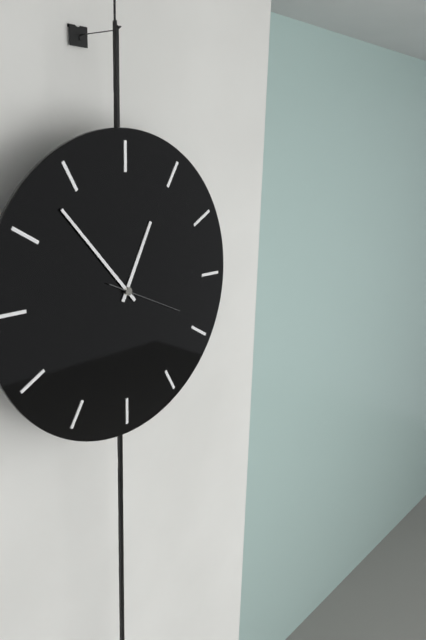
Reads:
12,53,19
